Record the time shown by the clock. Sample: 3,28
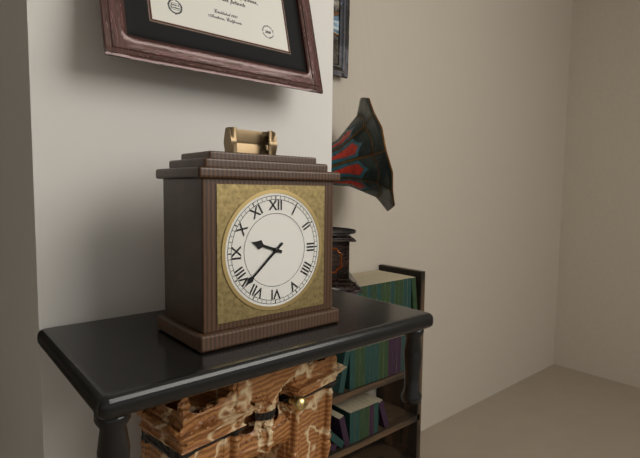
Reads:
9,38
